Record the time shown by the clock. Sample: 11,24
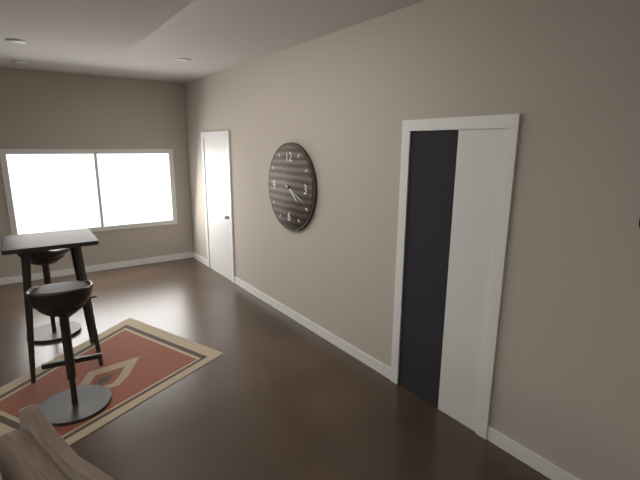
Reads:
4,19
